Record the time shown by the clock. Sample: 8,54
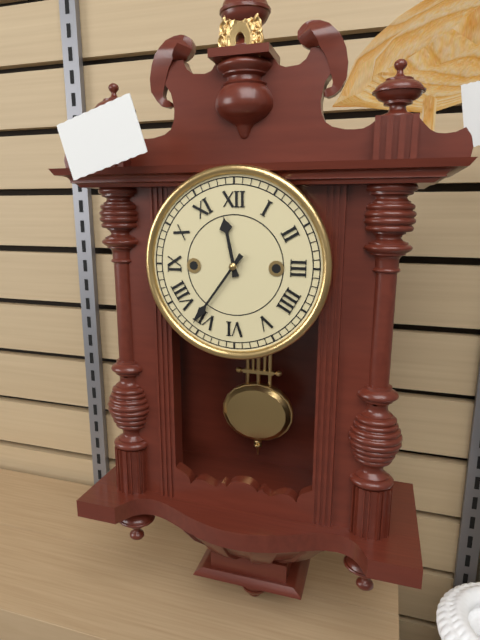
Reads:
11,36
